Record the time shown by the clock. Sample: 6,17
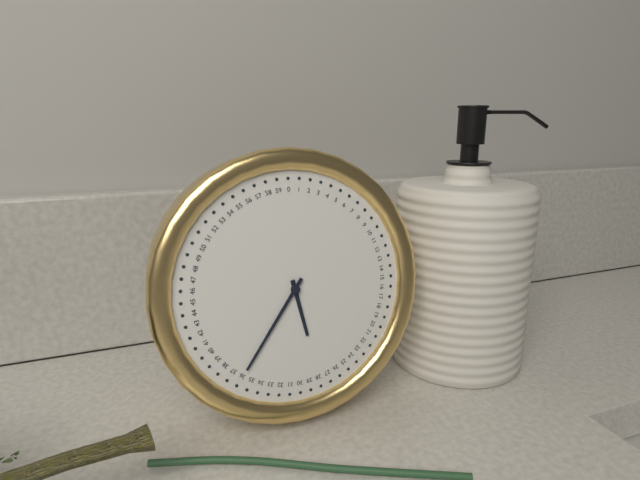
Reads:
5,36
